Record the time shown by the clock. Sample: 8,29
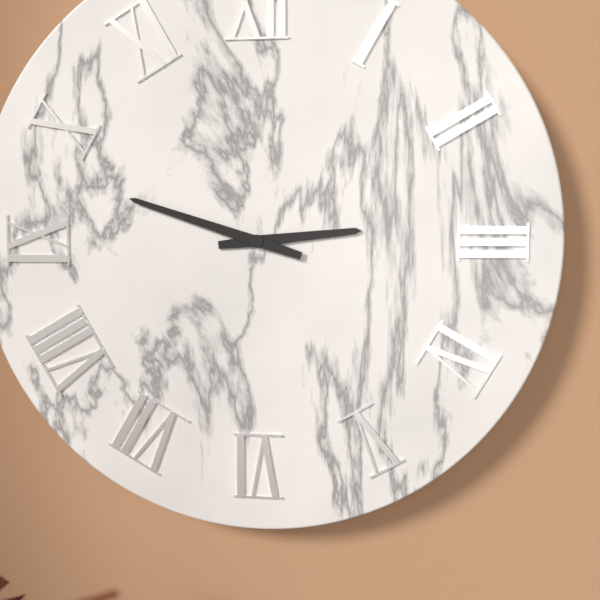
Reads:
2,48
